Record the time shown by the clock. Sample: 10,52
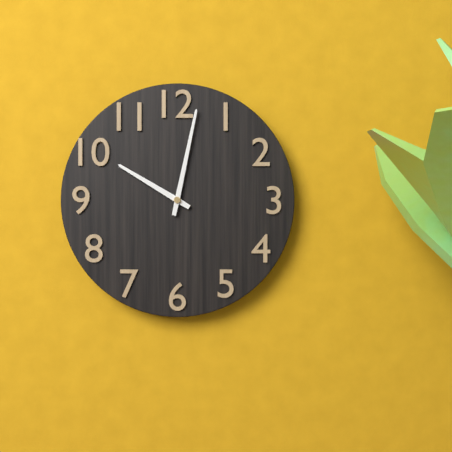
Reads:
10,02
